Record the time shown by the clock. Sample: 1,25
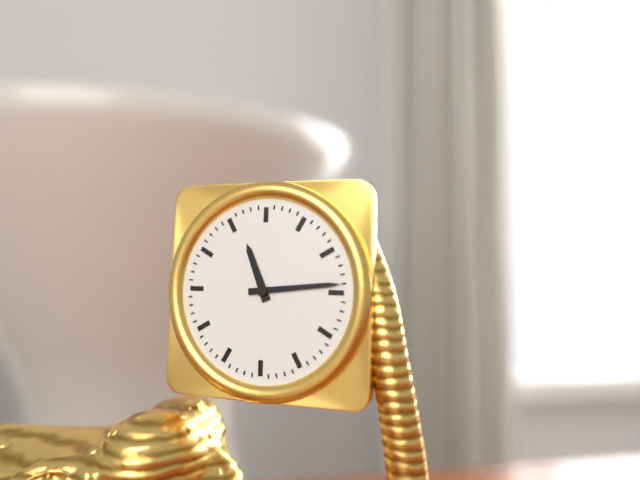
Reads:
11,14
